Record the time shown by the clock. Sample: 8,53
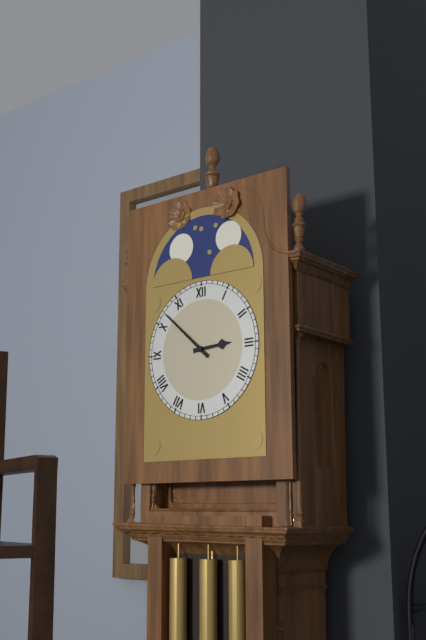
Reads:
2,52
